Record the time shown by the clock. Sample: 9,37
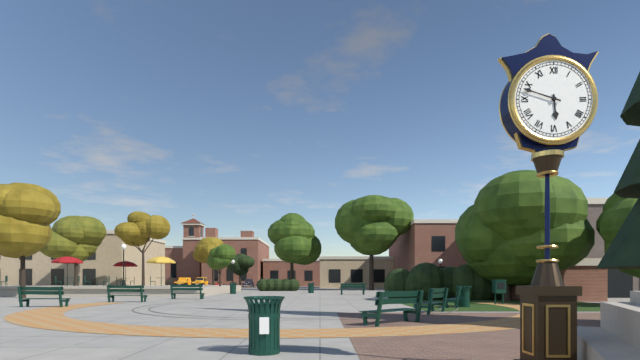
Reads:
5,48
